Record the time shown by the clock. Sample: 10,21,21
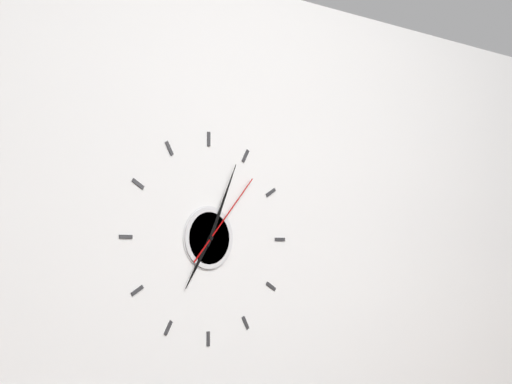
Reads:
7,04,07
